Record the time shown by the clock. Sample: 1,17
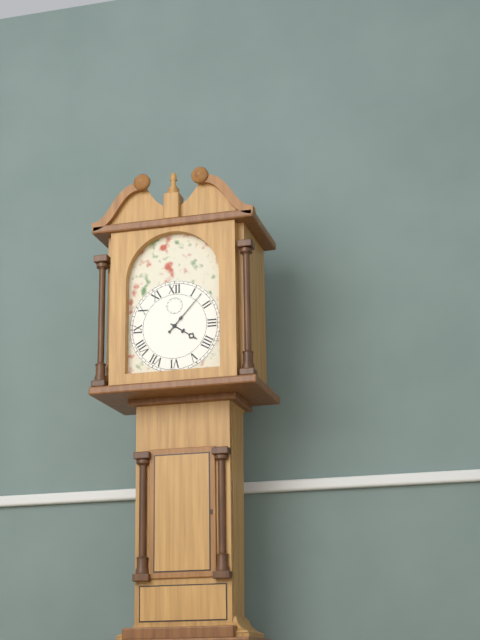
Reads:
4,07
